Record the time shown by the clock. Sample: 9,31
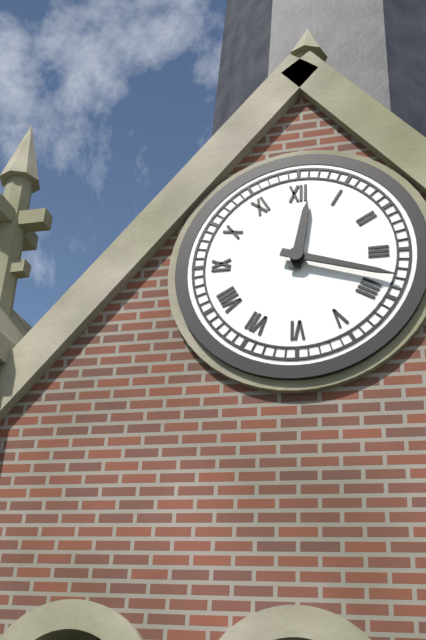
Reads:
12,18
